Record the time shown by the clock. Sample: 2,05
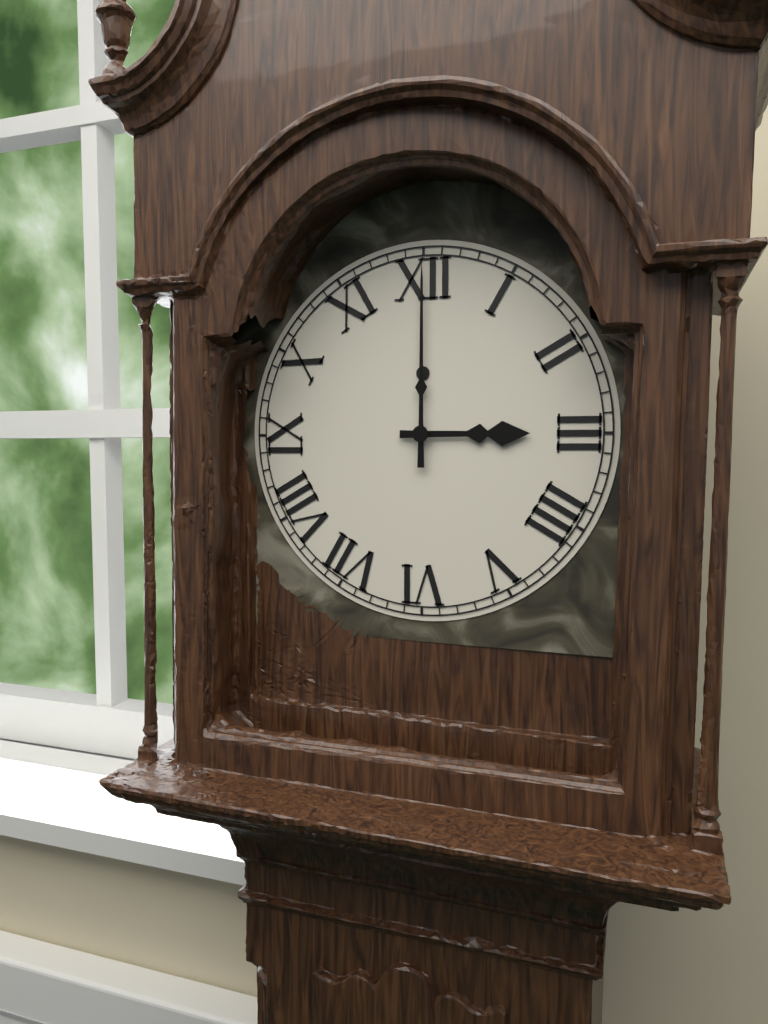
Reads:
3,00
